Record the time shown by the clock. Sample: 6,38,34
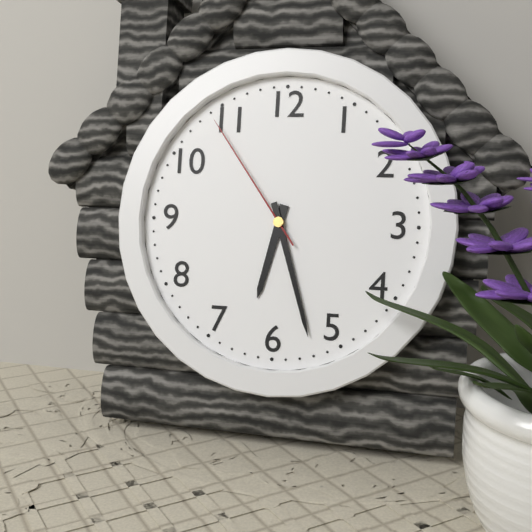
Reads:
6,27,54
